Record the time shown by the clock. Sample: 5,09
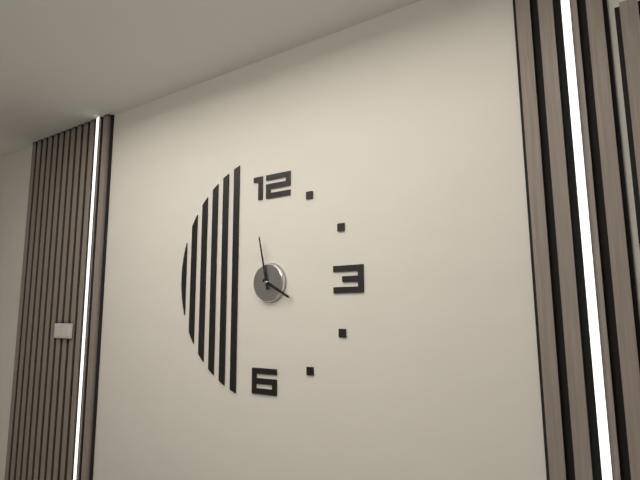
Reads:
3,58
